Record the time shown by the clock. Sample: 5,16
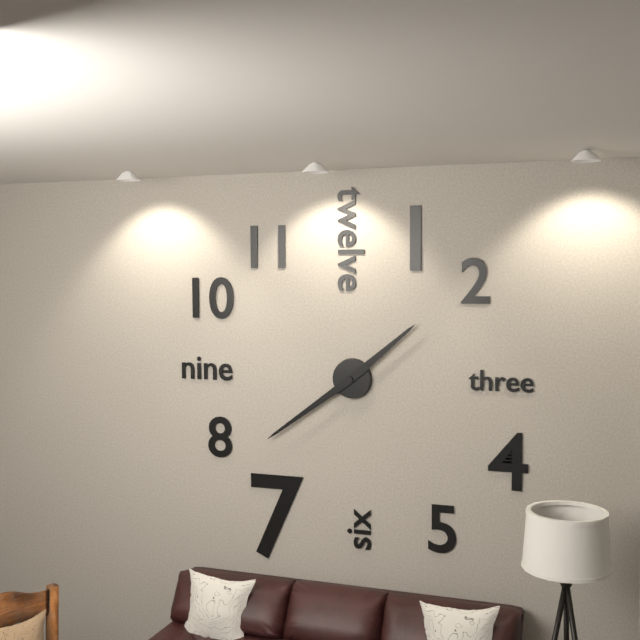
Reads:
1,39
